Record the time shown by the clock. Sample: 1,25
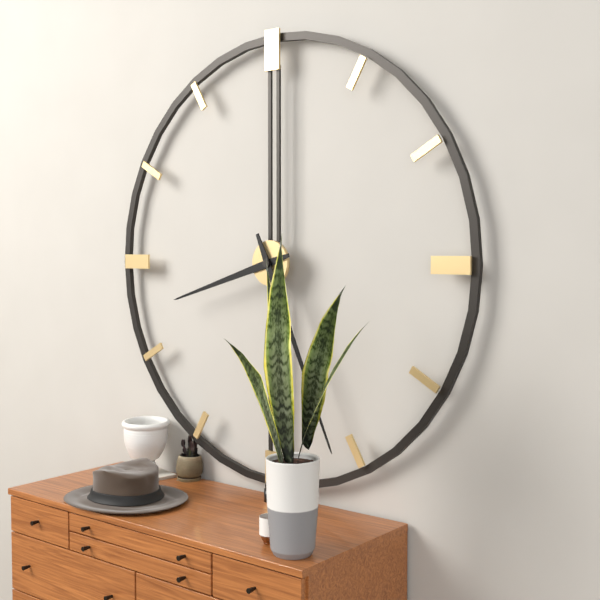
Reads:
8,26
